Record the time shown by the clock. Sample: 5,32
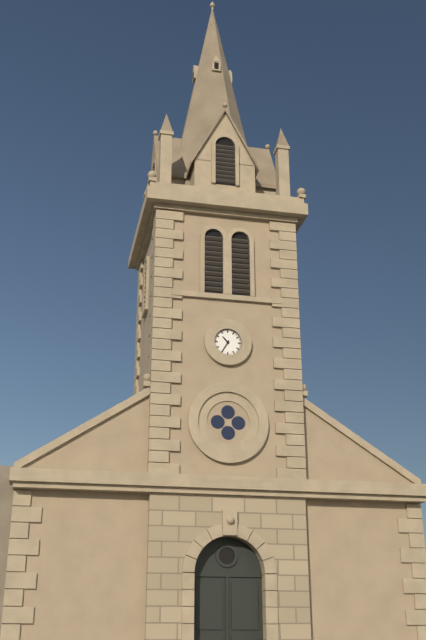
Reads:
10,35
